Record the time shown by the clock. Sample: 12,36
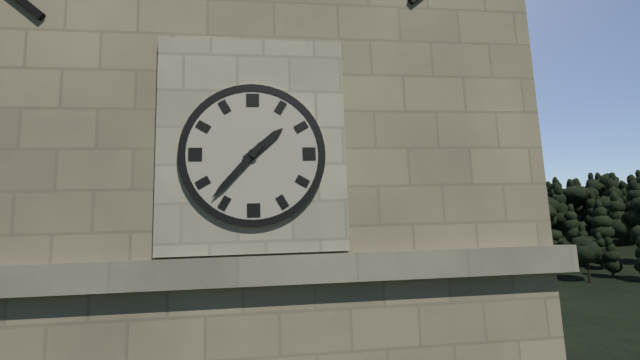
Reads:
1,37
